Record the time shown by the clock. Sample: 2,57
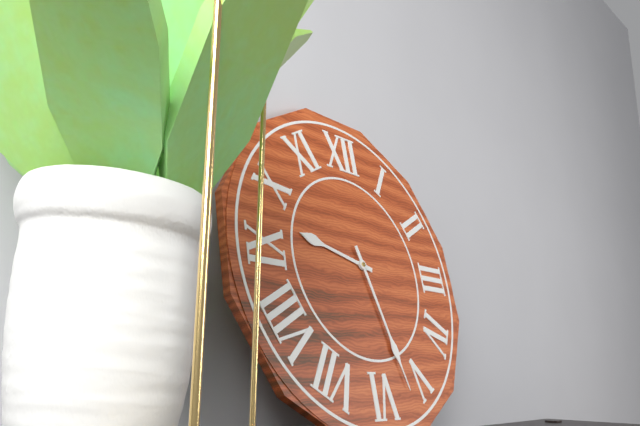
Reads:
9,27
